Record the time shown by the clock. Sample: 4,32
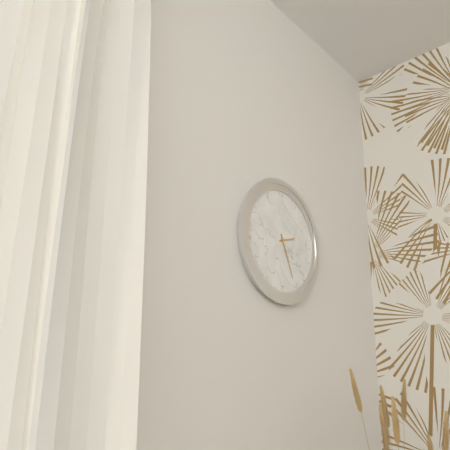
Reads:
2,26
